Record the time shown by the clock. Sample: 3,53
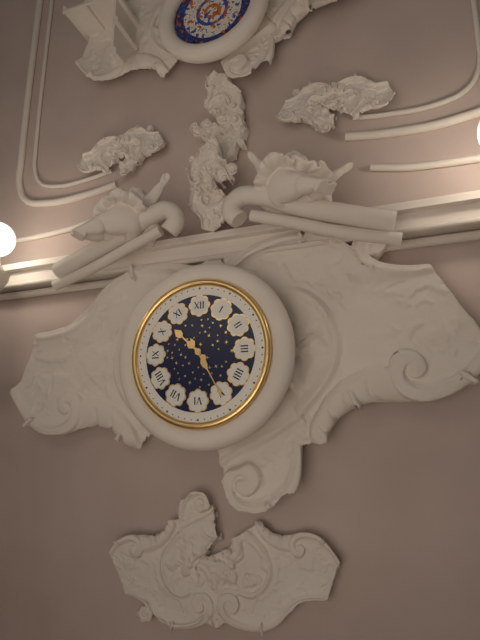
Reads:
10,25
